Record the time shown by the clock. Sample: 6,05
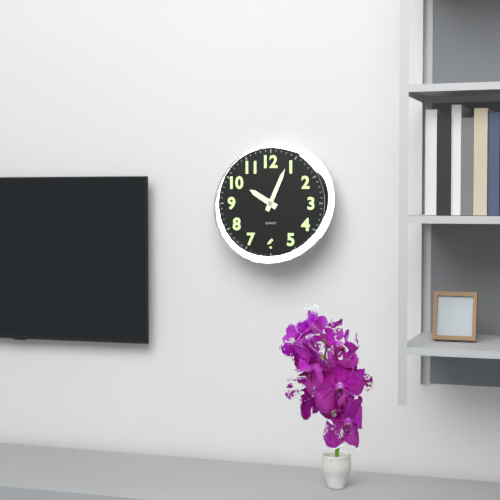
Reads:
10,04
